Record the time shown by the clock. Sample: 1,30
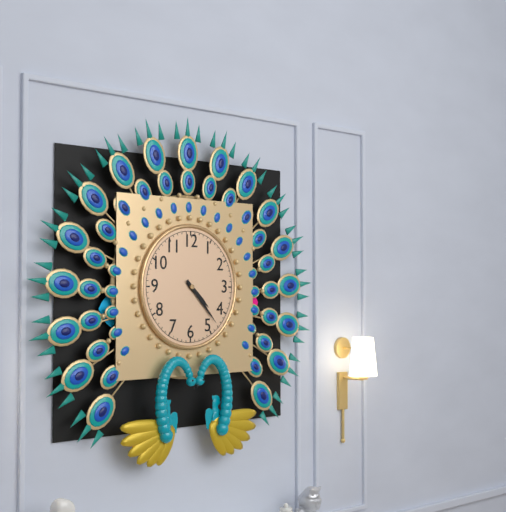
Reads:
4,23
